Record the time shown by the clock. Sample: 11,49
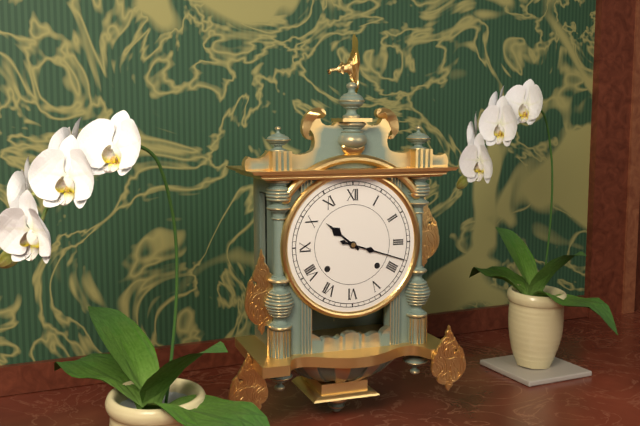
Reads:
10,18
